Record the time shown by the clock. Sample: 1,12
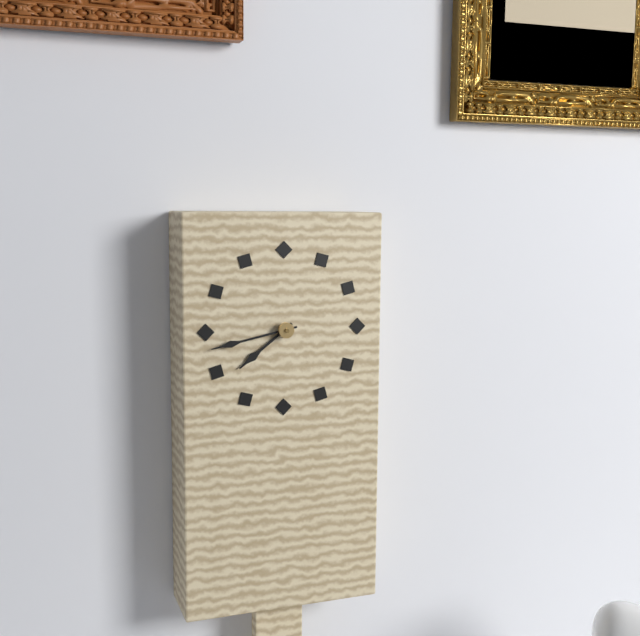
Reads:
7,43
